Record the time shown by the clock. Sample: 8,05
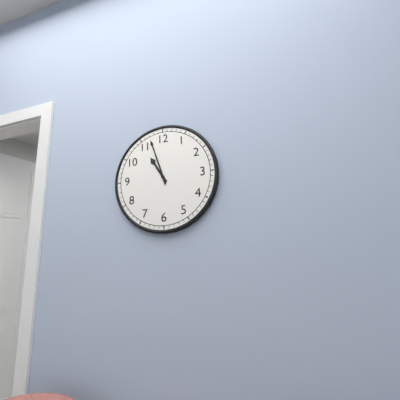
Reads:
10,57
